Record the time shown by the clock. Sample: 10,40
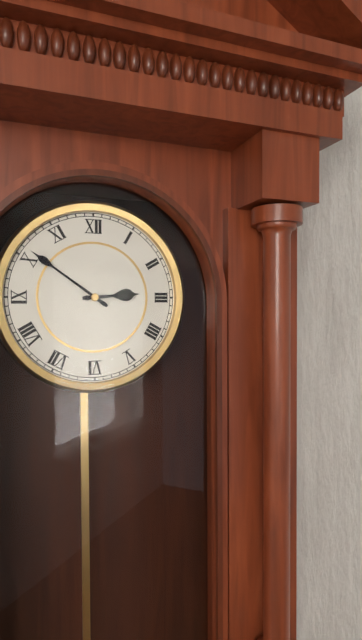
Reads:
2,51
